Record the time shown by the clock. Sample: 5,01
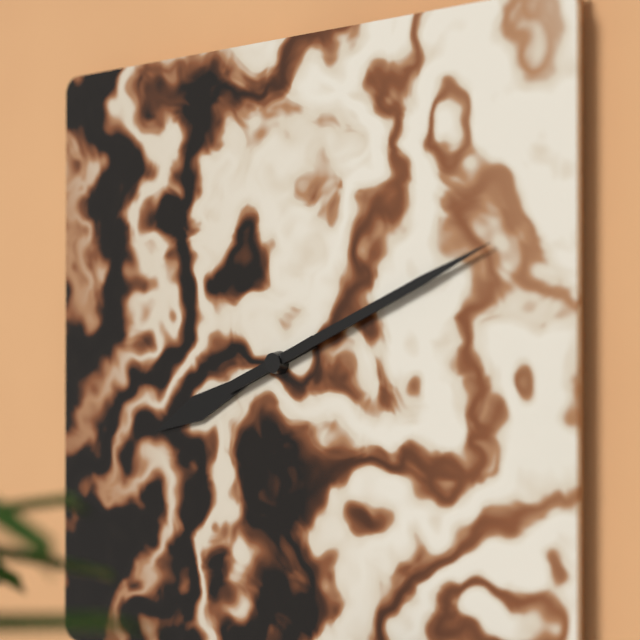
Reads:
8,11
